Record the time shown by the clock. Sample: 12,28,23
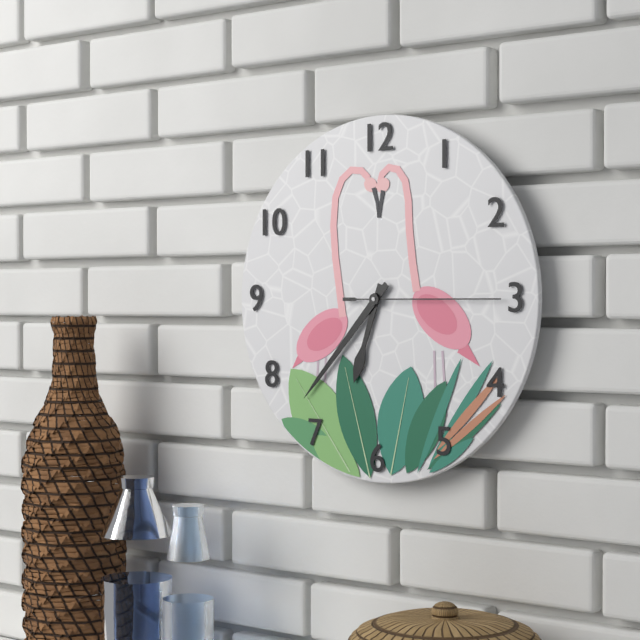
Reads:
6,37,15
